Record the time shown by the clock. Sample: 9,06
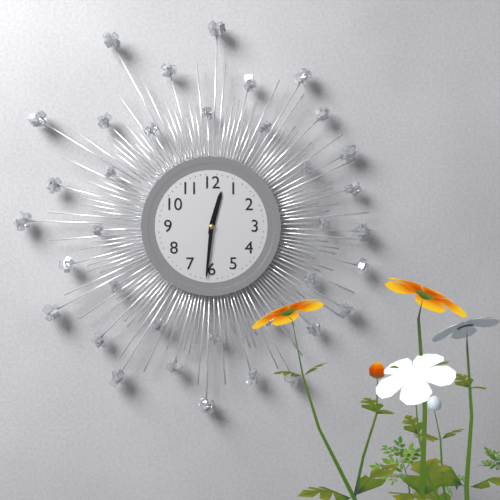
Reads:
12,31
